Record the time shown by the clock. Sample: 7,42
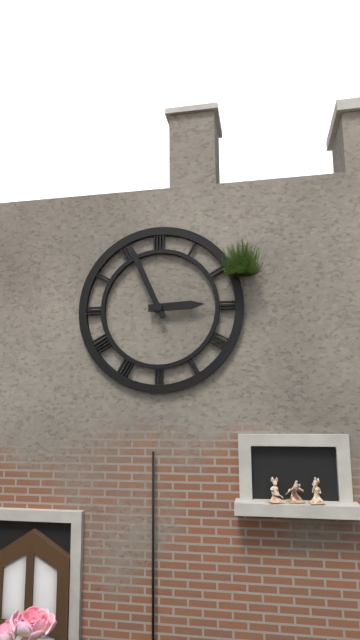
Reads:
2,56
